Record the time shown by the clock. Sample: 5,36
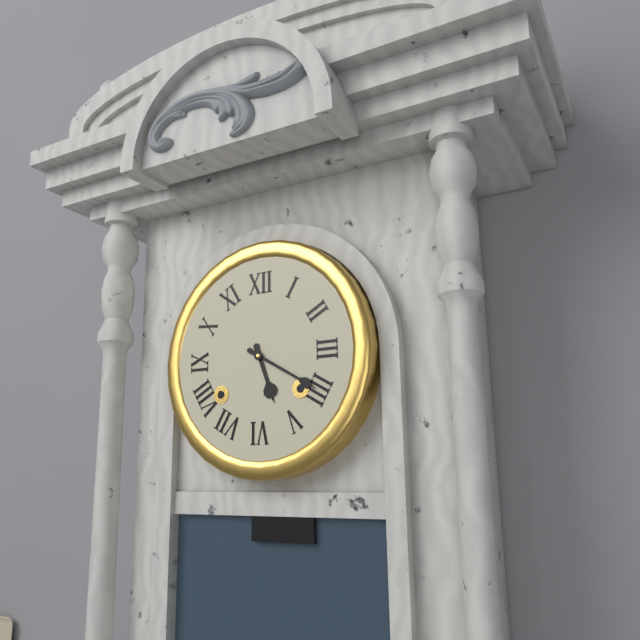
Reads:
5,20
